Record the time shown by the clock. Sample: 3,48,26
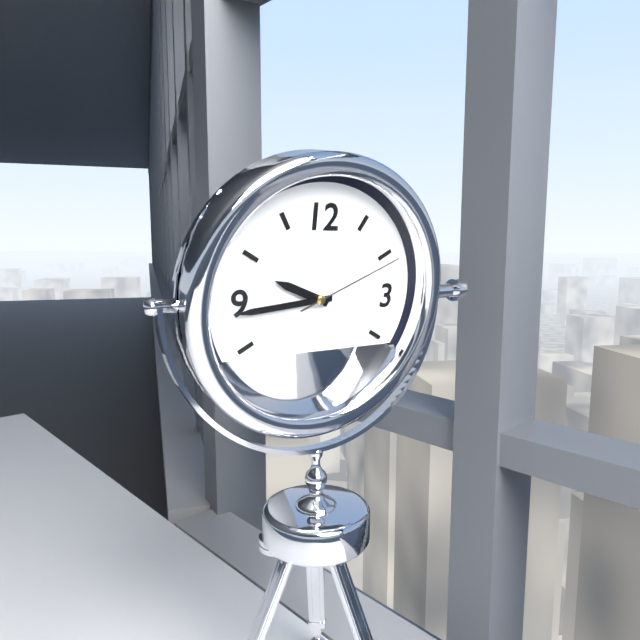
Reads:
9,44,11
